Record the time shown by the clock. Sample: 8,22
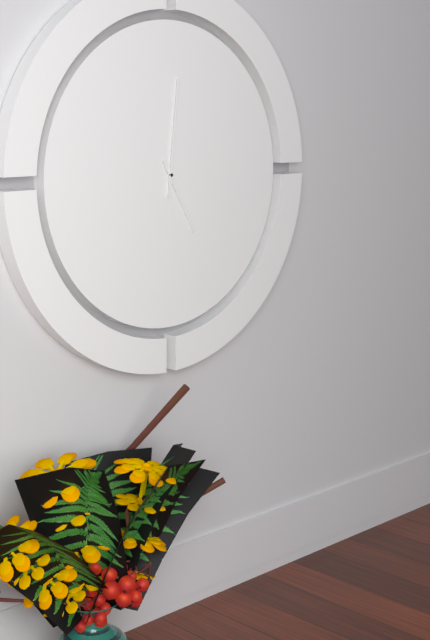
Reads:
5,01
